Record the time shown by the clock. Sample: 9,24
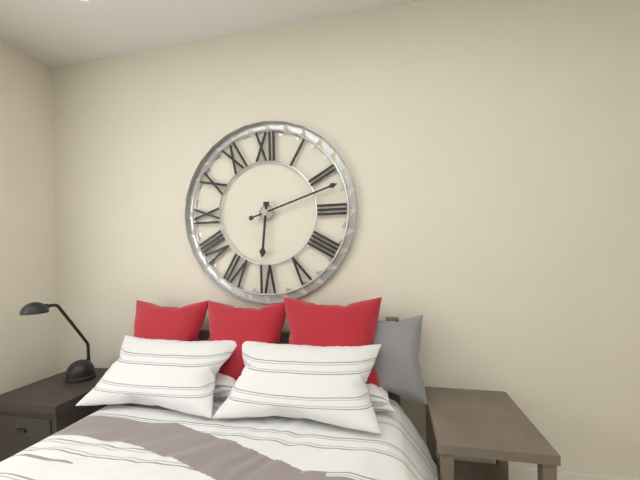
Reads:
6,12
